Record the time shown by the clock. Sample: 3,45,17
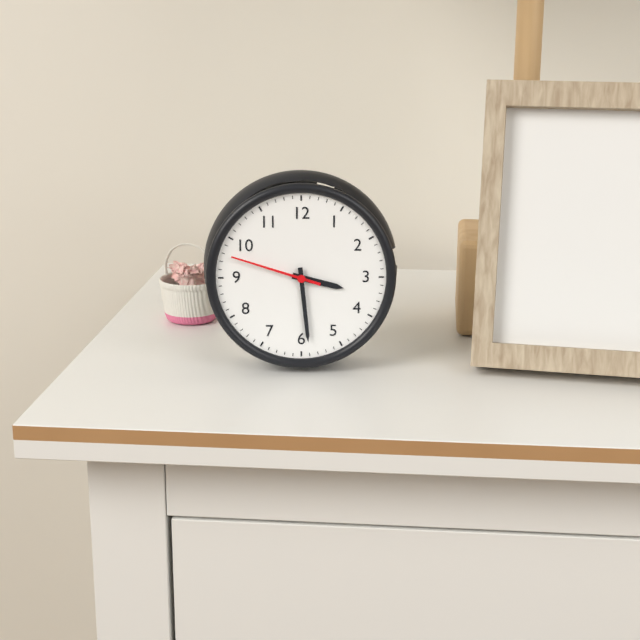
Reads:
3,29,48
